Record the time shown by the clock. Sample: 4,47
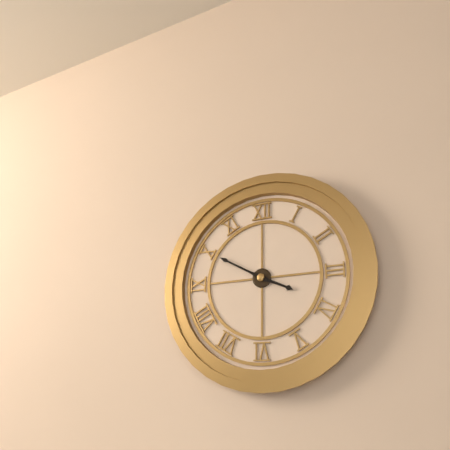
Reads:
3,50
